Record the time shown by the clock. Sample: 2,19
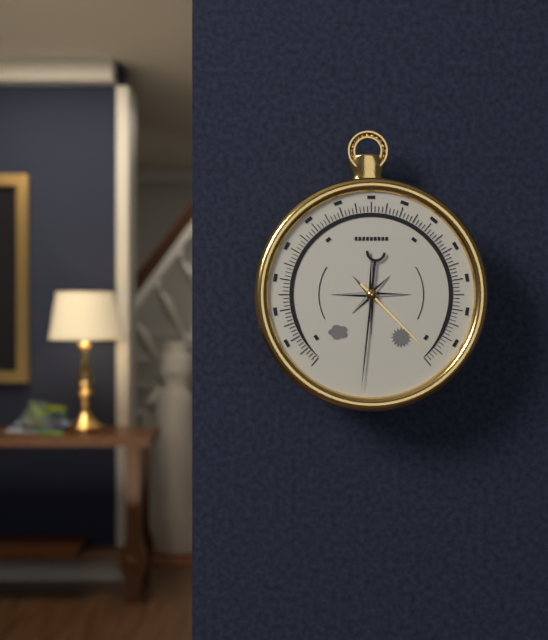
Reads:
4,31
